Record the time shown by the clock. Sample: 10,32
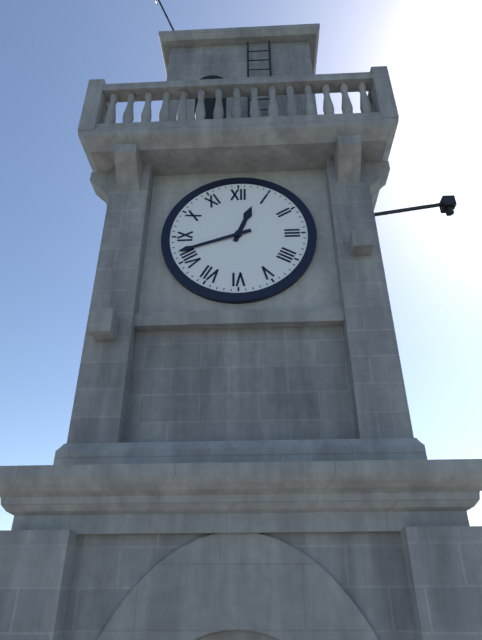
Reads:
12,42
